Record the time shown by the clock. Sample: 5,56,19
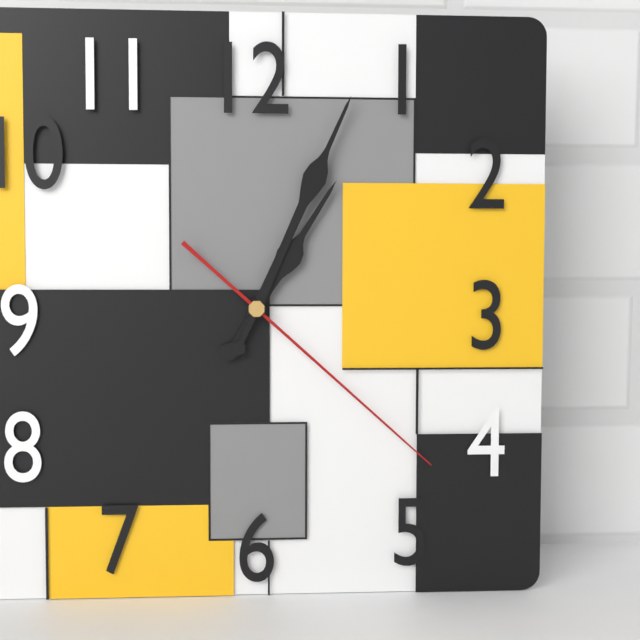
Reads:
1,04,22
